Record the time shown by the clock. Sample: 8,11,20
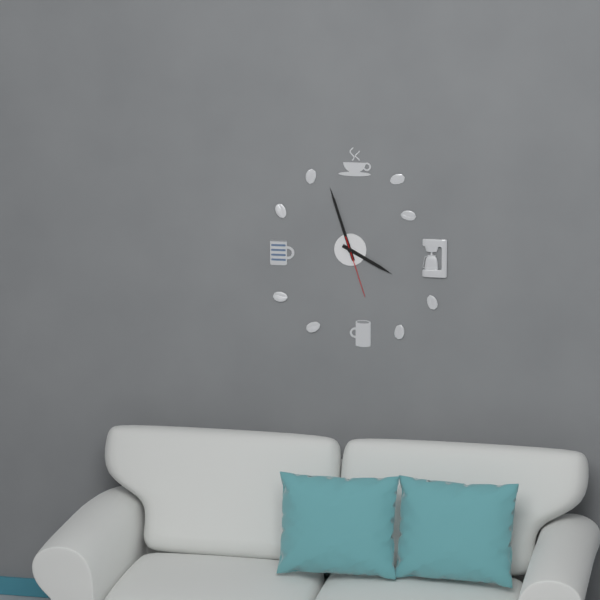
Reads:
3,57,27
